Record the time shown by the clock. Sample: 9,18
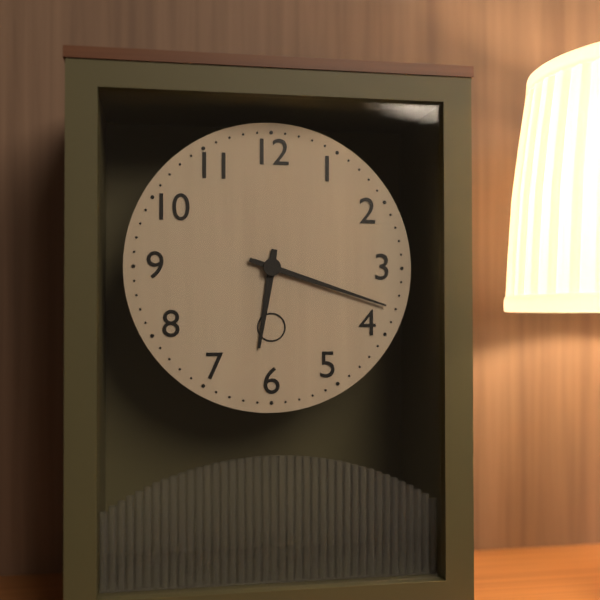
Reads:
6,18
